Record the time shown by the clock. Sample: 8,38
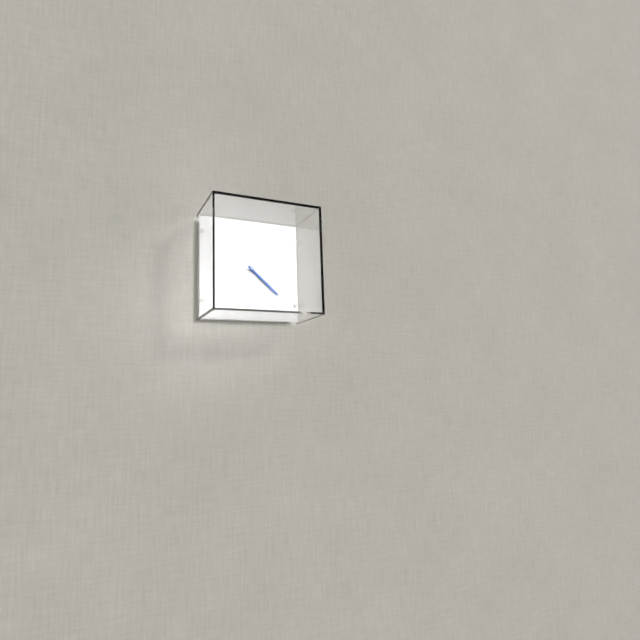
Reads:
4,22
